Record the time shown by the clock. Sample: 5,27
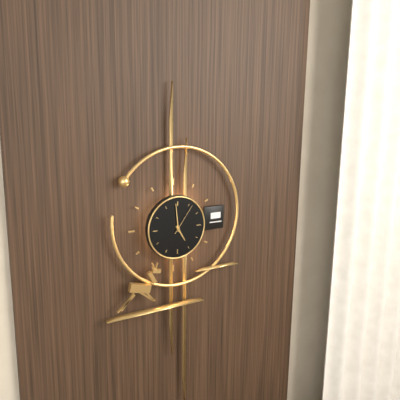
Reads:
4,59
